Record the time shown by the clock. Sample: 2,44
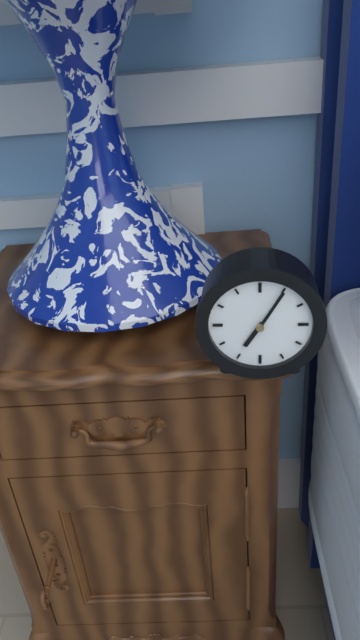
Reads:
7,05
